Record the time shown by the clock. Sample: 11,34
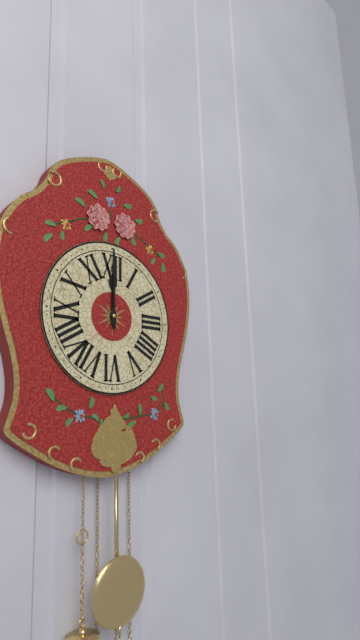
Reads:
12,00
